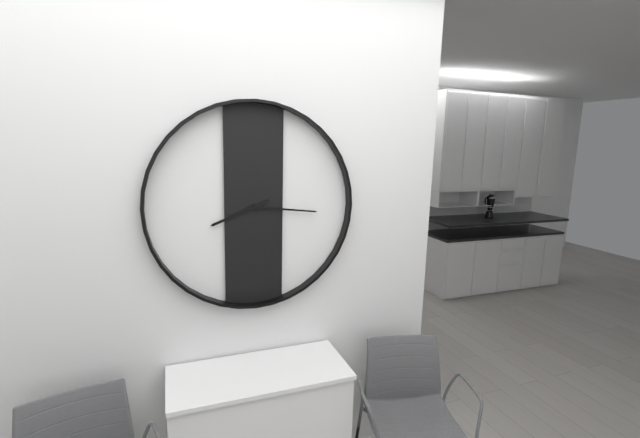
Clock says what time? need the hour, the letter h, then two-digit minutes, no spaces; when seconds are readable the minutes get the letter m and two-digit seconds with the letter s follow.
8h16
